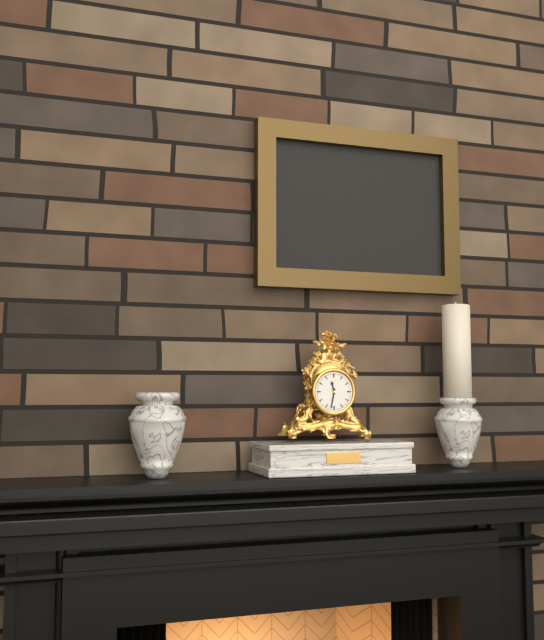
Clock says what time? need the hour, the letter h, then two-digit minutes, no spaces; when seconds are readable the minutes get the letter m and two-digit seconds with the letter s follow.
11h32
